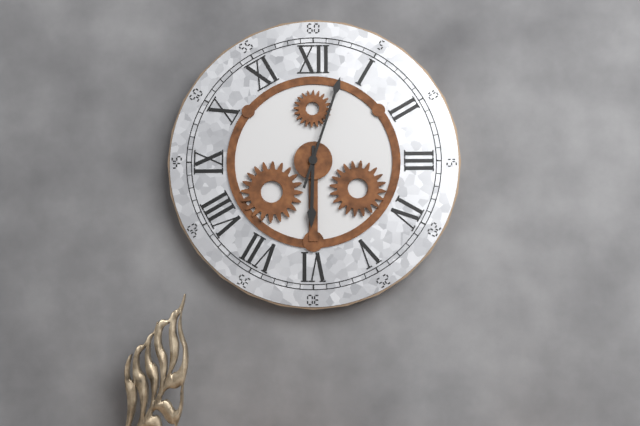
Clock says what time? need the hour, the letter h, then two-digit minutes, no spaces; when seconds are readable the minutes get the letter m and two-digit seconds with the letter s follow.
6h03
